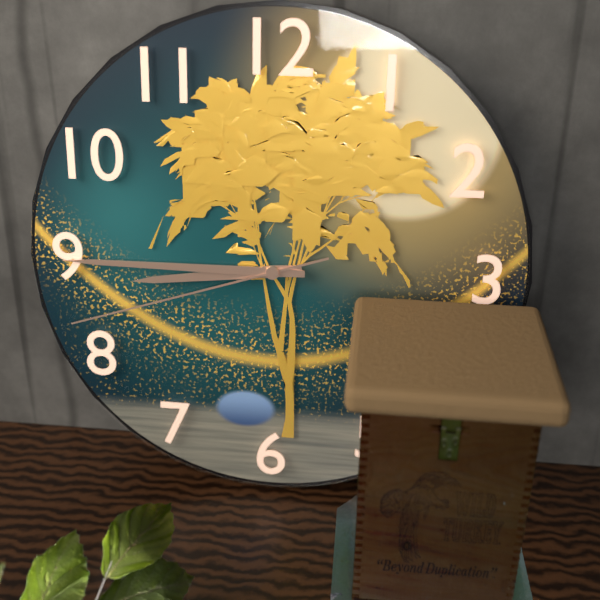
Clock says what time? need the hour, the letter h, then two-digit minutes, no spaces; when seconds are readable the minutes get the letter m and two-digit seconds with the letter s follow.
8h45m42s
